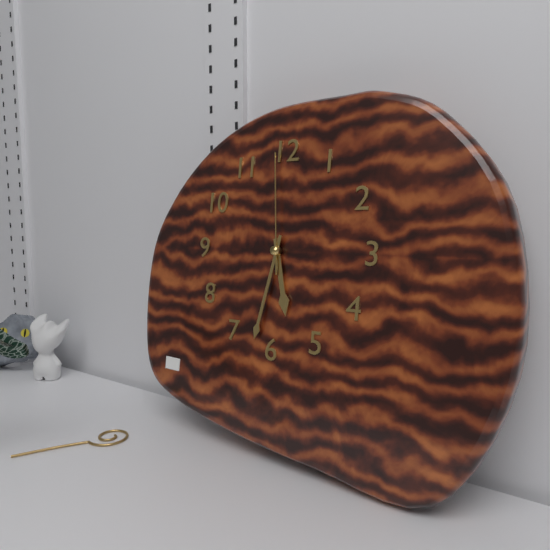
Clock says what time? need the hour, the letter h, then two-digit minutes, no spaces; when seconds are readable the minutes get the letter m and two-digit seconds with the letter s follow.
5h32m59s
